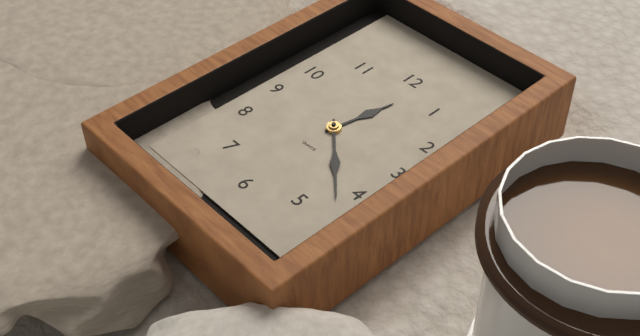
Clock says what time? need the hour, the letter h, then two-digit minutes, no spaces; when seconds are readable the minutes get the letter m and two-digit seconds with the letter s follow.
12h22
